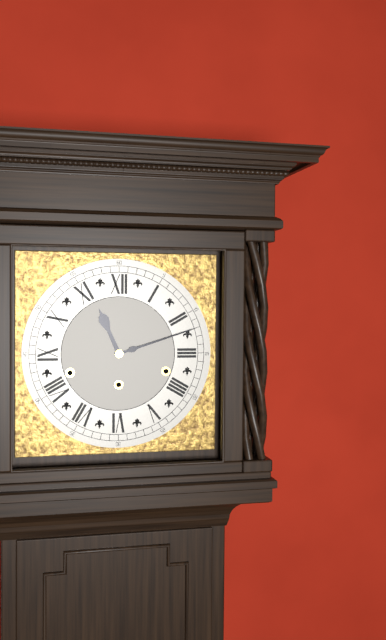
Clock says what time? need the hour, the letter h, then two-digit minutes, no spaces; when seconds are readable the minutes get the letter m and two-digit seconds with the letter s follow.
11h12
